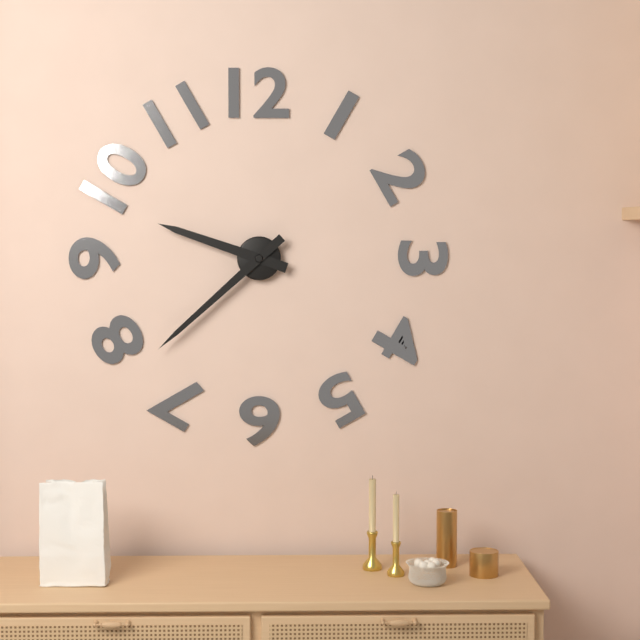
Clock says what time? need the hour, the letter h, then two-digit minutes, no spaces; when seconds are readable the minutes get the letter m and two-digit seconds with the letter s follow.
9h38
